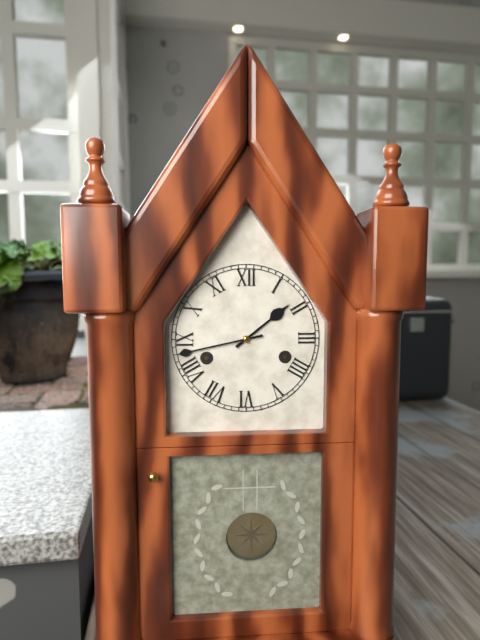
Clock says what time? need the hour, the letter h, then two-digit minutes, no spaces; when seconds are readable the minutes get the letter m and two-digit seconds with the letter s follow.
1h43
